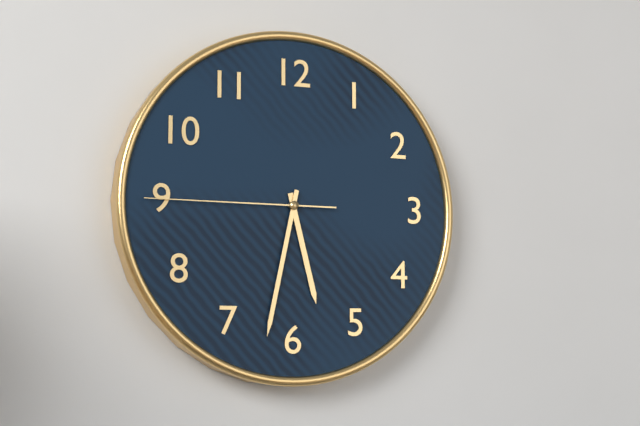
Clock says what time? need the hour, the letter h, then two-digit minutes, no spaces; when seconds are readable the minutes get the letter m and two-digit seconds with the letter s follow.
5h32m45s
